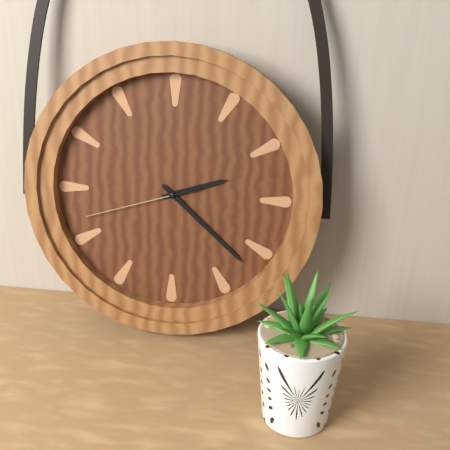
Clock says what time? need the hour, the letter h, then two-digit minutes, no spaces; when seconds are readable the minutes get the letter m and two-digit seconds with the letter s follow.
2h22m42s
